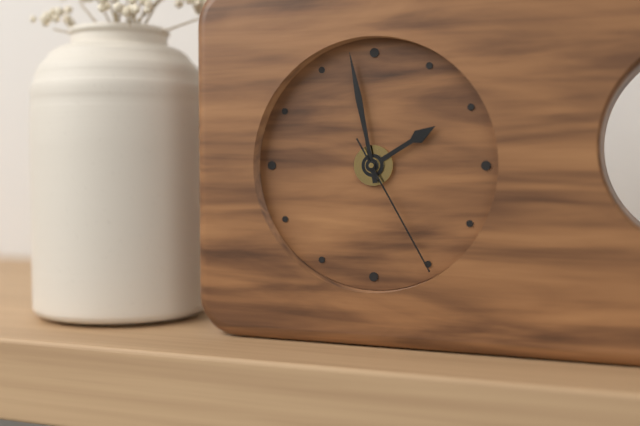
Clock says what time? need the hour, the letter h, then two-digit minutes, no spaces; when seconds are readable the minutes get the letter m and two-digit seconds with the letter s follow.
1h58m25s
